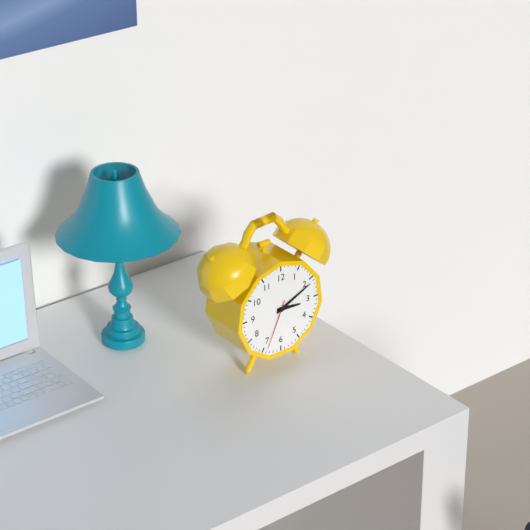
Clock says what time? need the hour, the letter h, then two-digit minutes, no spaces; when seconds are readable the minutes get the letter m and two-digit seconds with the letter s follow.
3h11m34s
